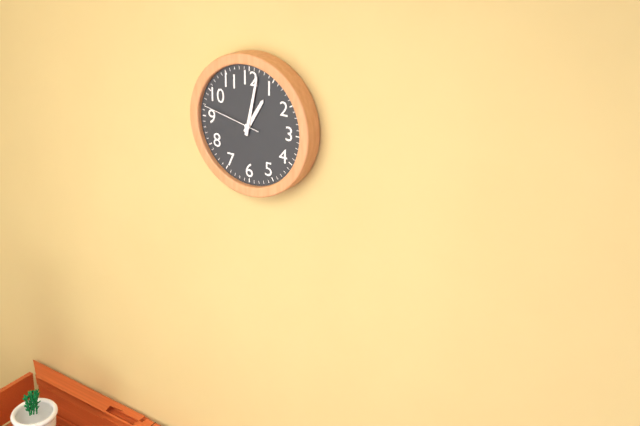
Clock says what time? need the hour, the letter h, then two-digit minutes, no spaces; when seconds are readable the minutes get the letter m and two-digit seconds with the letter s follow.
1h02m47s
